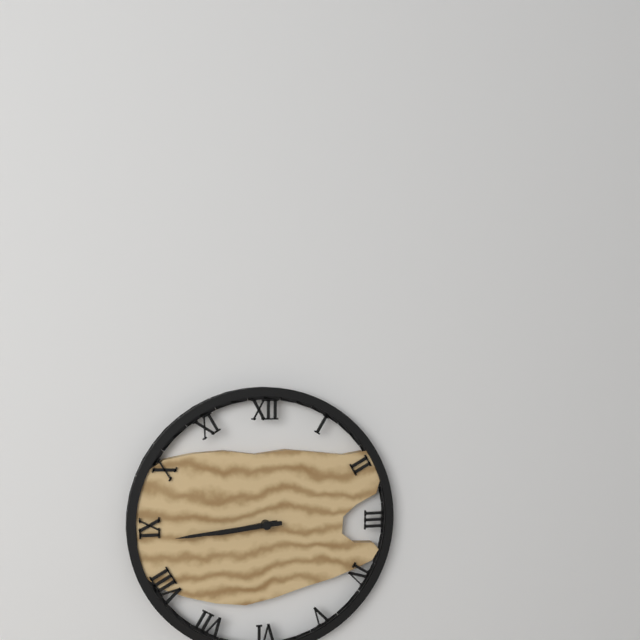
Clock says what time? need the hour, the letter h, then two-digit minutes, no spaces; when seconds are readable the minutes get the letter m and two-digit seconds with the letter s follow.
8h44
